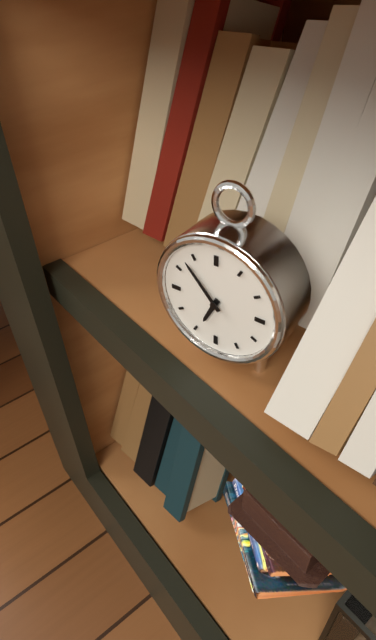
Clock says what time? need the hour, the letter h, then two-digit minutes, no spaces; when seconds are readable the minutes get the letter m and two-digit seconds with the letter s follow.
6h53
